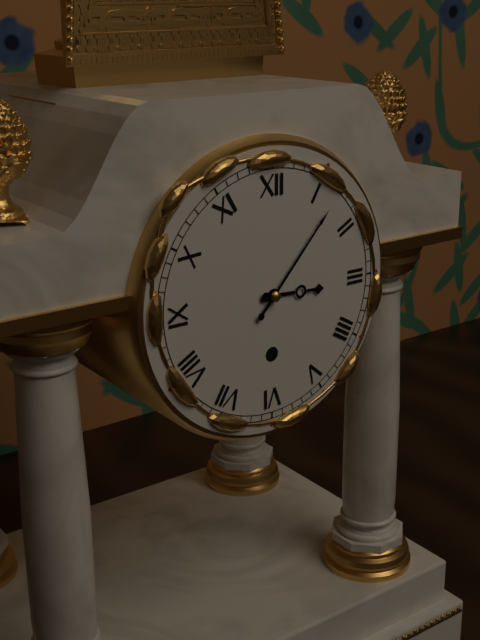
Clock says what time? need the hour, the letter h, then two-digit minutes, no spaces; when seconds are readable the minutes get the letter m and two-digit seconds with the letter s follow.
3h07
